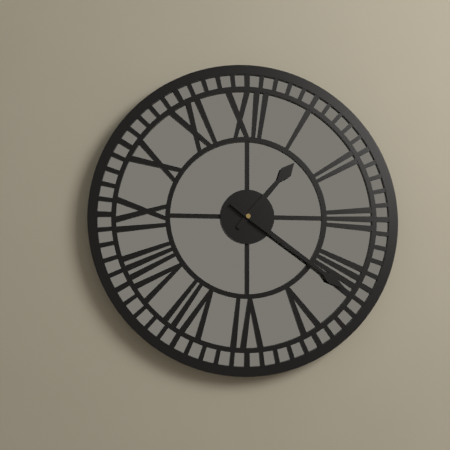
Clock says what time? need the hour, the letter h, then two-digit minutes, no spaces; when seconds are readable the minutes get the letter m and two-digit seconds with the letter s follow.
1h21
